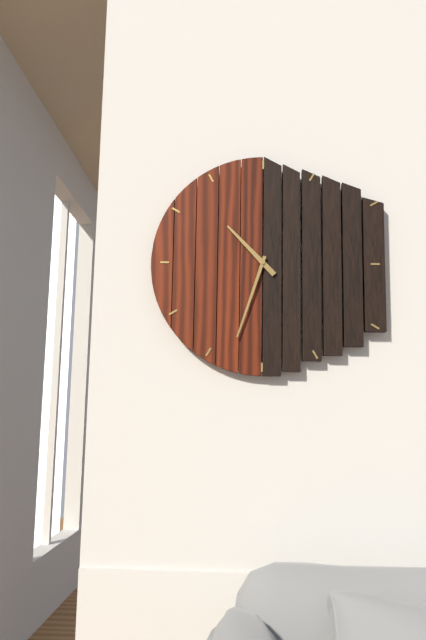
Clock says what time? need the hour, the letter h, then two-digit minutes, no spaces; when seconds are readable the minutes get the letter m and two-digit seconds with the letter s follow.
10h33
